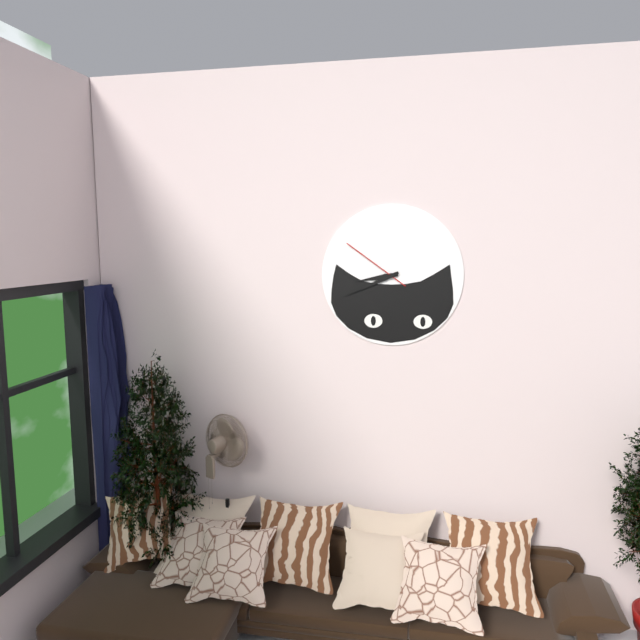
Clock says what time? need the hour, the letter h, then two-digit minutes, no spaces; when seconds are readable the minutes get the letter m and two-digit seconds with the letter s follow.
8h41m51s
